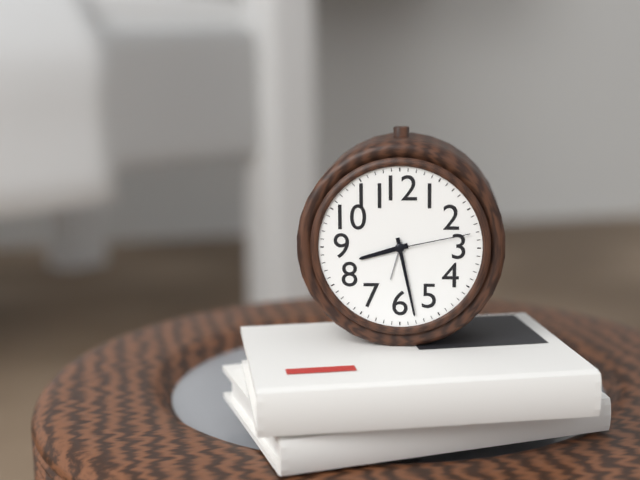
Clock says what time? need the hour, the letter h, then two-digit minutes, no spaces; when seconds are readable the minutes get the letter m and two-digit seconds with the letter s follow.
8h28m13s
